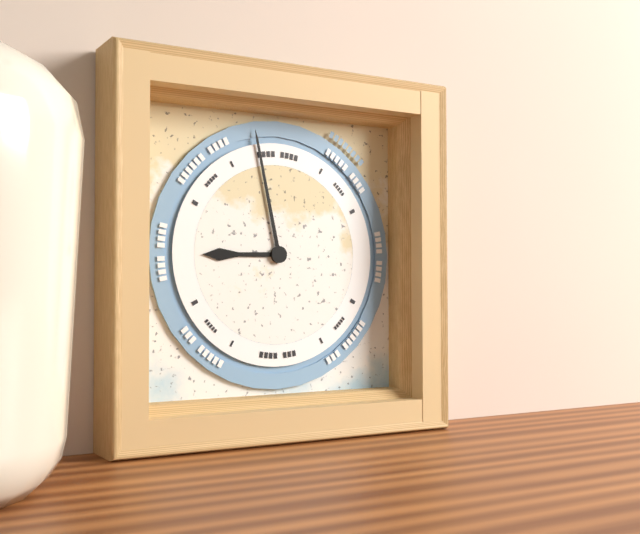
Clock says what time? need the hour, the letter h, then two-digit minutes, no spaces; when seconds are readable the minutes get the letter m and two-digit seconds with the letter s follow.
8h58
